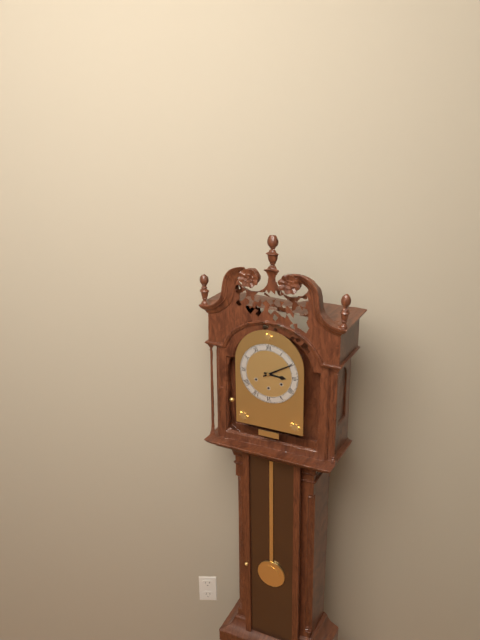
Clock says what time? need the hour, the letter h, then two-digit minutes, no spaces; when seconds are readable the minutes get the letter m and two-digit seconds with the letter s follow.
3h10
